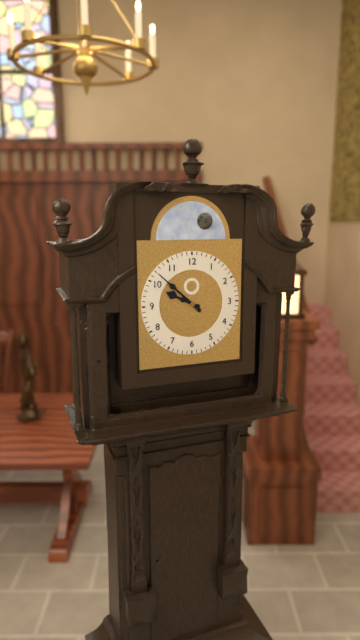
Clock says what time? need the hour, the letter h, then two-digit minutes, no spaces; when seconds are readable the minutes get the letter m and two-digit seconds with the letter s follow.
9h52
